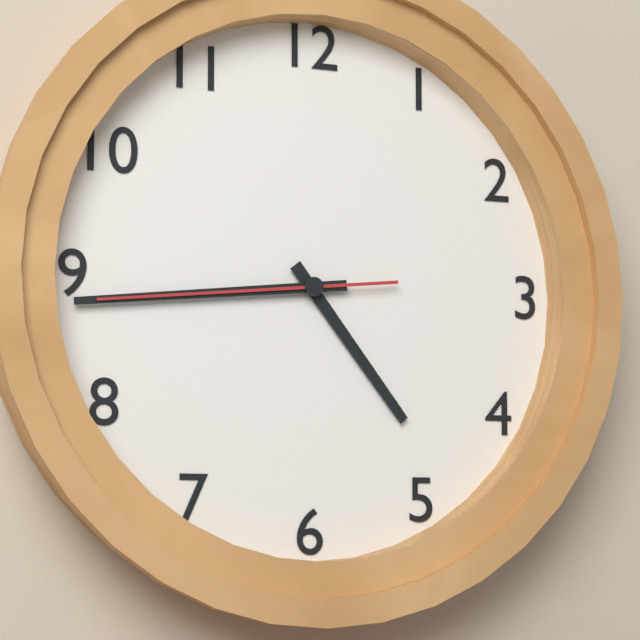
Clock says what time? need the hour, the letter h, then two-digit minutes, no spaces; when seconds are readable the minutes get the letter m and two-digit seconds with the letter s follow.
4h44m44s
